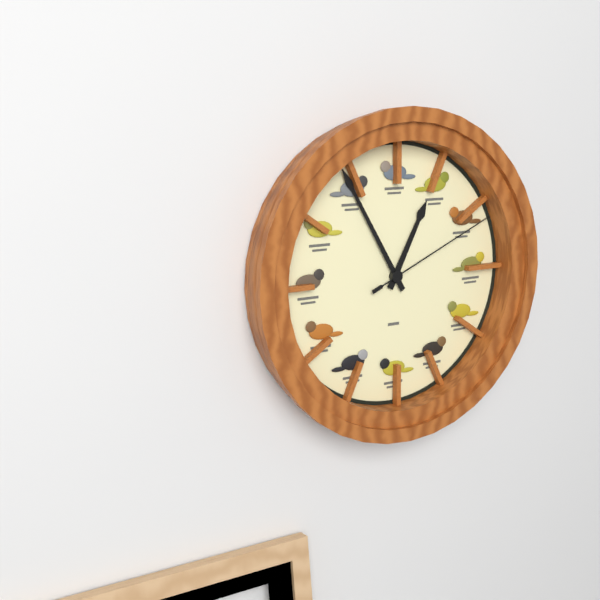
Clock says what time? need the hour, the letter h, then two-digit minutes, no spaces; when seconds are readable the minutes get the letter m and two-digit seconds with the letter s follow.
12h55m11s
